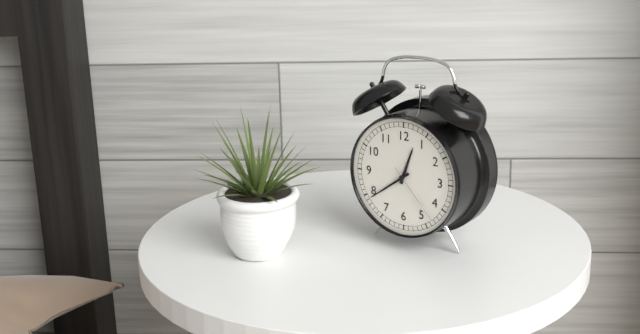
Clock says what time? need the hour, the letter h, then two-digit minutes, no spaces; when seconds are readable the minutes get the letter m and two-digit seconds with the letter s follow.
12h39m23s
